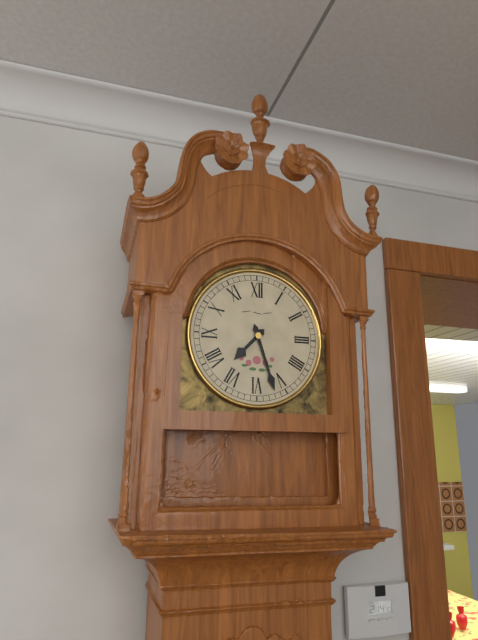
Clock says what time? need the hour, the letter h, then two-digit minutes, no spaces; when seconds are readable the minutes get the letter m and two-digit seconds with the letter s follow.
7h27
